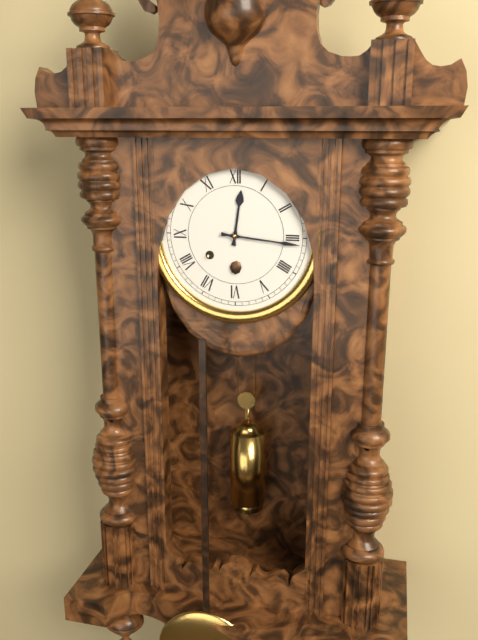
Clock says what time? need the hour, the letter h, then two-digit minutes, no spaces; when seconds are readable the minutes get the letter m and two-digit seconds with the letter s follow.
12h16
